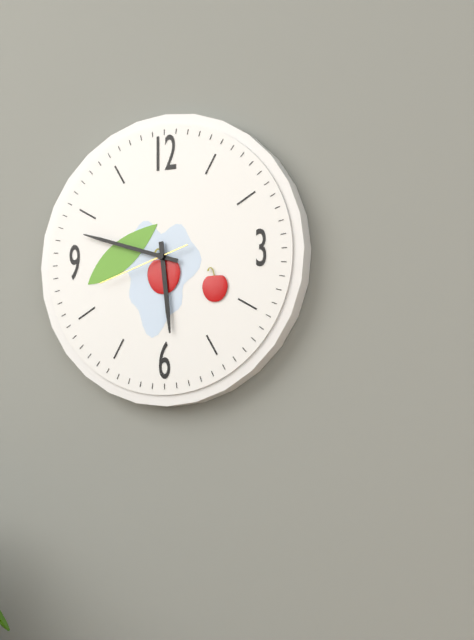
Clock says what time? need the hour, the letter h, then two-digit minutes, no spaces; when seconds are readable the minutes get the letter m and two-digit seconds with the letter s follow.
5h48m42s
